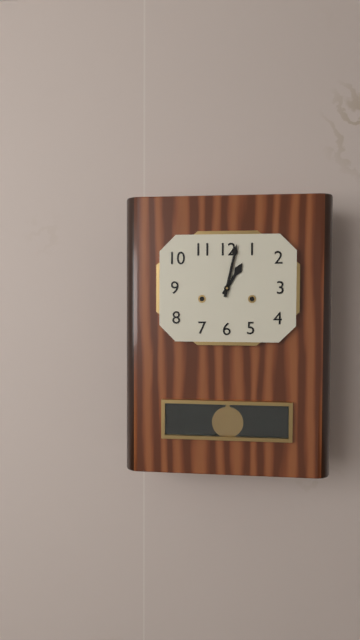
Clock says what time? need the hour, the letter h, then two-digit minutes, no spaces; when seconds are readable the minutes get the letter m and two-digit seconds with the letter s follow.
1h02
